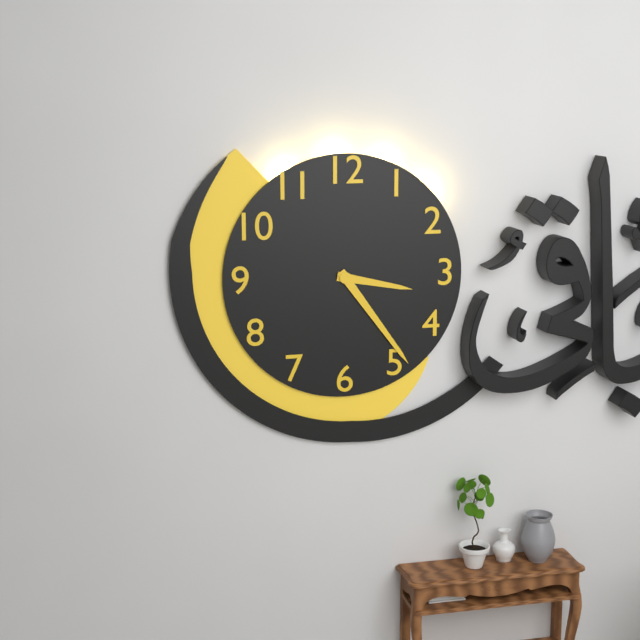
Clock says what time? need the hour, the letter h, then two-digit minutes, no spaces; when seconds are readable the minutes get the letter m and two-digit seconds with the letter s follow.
3h24
